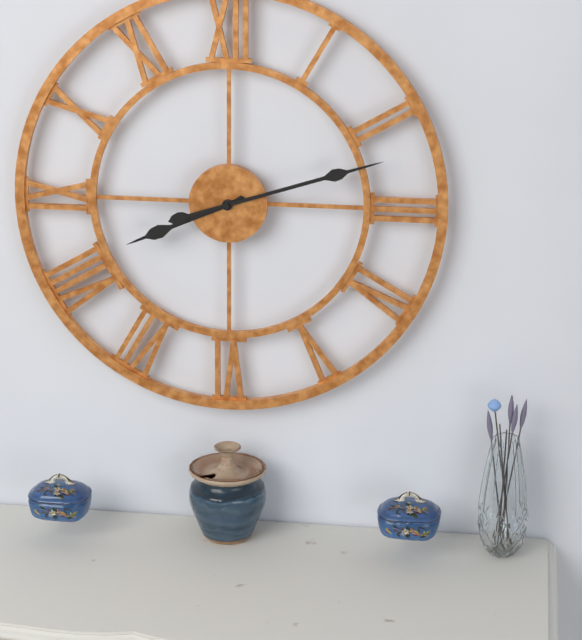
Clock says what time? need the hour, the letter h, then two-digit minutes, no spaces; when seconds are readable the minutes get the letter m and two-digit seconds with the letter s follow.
8h12
